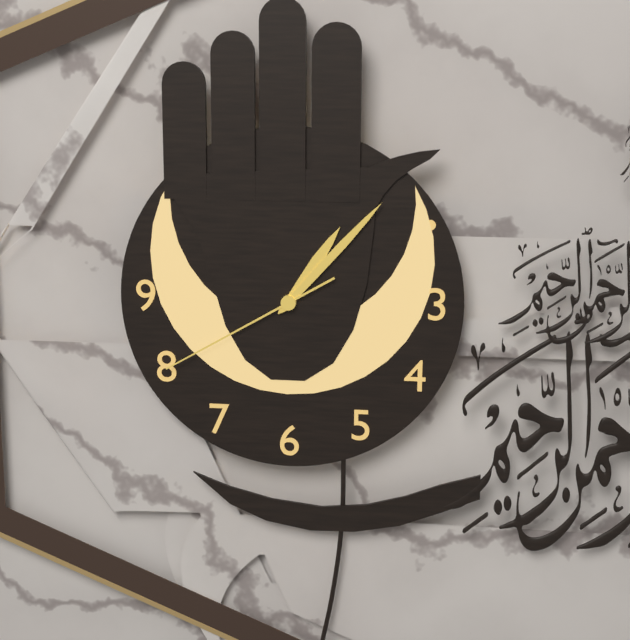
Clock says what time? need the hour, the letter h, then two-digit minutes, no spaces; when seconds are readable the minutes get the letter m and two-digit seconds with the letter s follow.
1h07m40s
